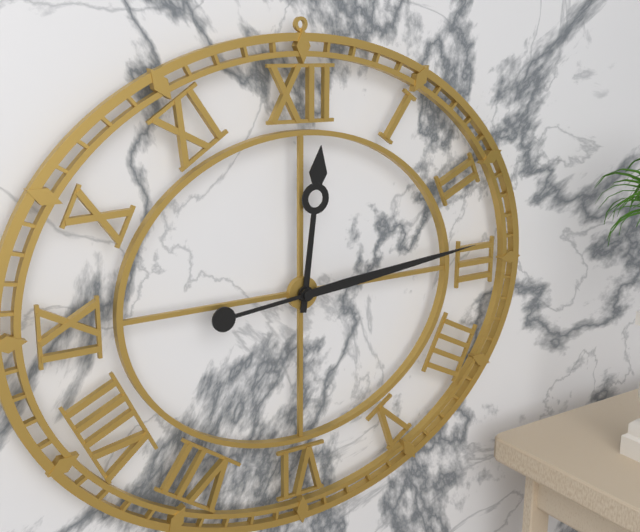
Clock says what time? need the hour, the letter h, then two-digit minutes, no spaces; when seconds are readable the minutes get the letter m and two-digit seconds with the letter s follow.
12h14
